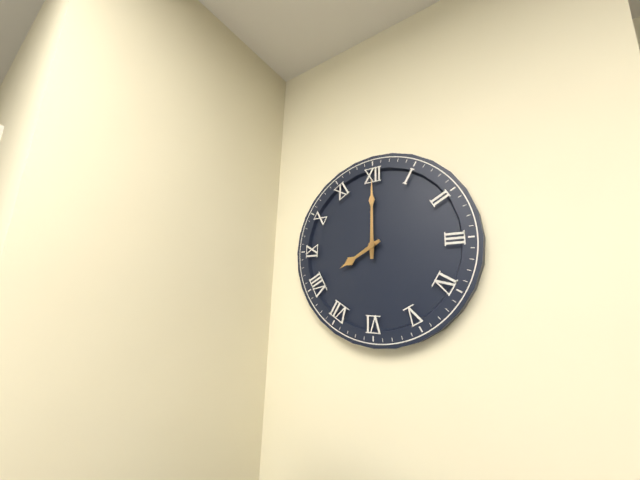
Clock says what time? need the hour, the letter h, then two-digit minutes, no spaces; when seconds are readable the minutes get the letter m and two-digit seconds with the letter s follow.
8h00
